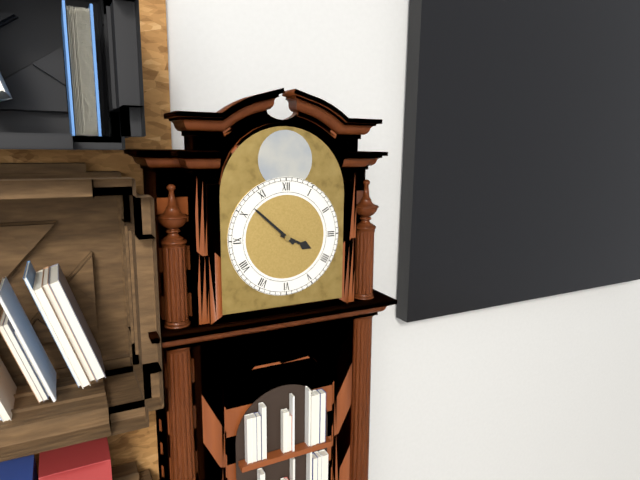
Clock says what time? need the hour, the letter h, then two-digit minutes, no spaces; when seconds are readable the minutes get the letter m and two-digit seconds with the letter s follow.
3h52
